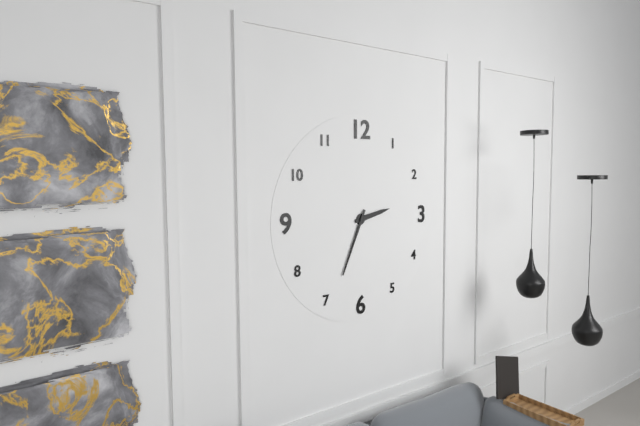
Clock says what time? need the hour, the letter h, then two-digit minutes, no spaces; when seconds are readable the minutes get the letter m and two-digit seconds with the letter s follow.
2h34
